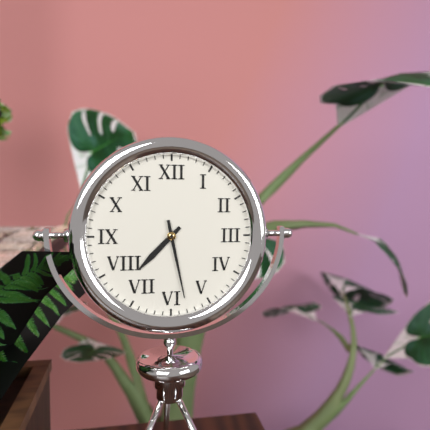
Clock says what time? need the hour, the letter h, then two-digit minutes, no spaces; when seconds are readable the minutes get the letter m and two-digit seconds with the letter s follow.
7h28
